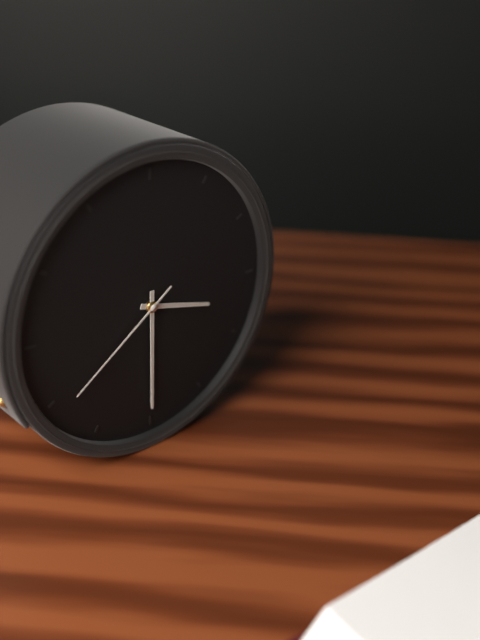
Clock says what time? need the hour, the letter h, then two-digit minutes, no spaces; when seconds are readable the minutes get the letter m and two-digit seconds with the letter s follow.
3h30m39s
